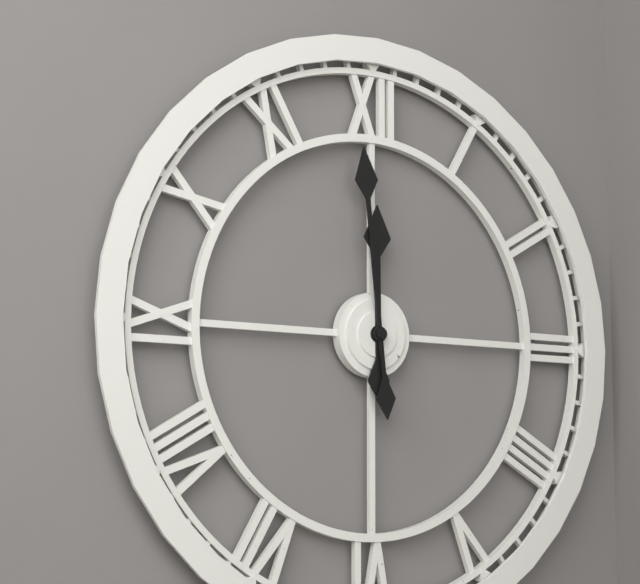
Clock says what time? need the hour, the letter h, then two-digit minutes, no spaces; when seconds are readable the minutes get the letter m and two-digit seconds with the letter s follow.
11h59
